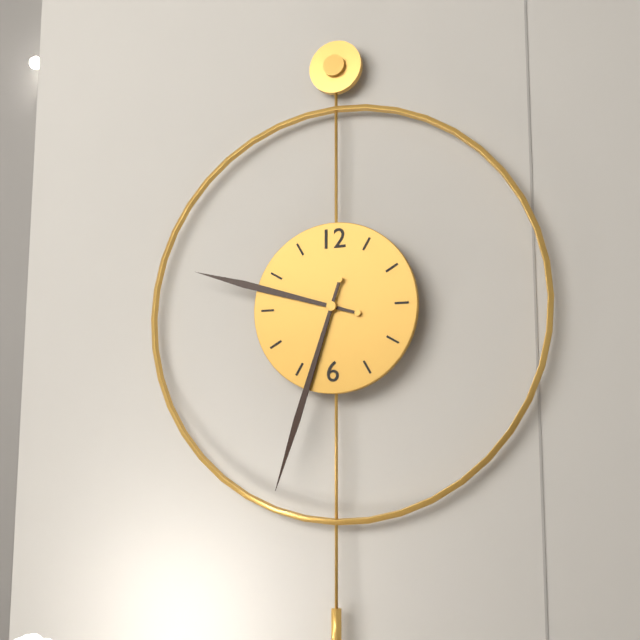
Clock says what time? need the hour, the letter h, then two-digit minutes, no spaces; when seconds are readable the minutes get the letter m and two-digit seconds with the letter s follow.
9h33
